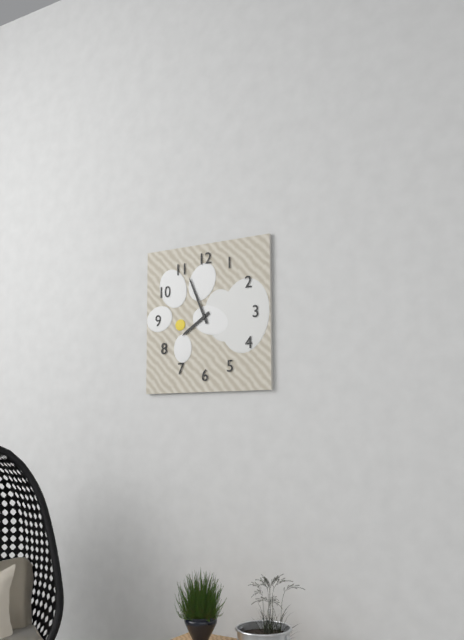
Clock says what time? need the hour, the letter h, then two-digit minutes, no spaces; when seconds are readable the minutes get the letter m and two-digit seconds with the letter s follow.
7h56
